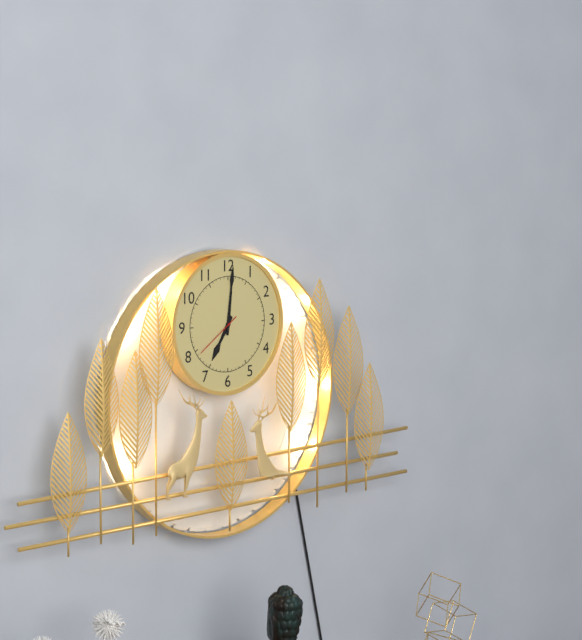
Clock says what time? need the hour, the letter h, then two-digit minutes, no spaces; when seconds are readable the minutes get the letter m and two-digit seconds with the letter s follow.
7h01
